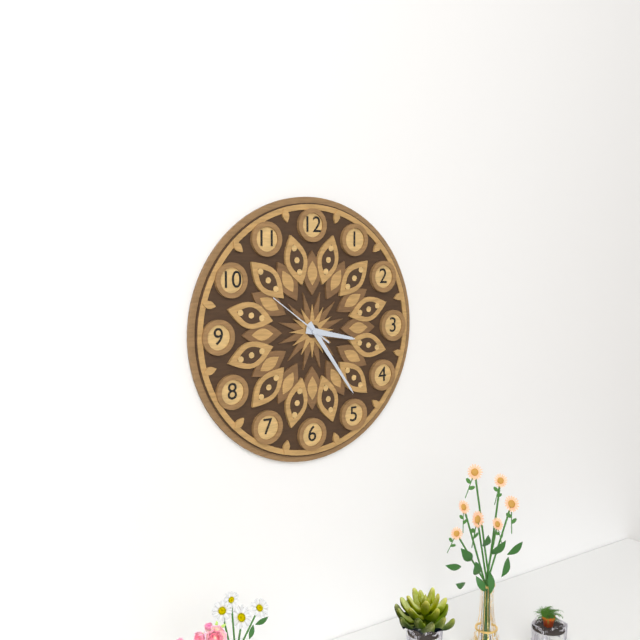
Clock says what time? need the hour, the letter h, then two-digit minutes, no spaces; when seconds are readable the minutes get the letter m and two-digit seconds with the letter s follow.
3h24m51s
